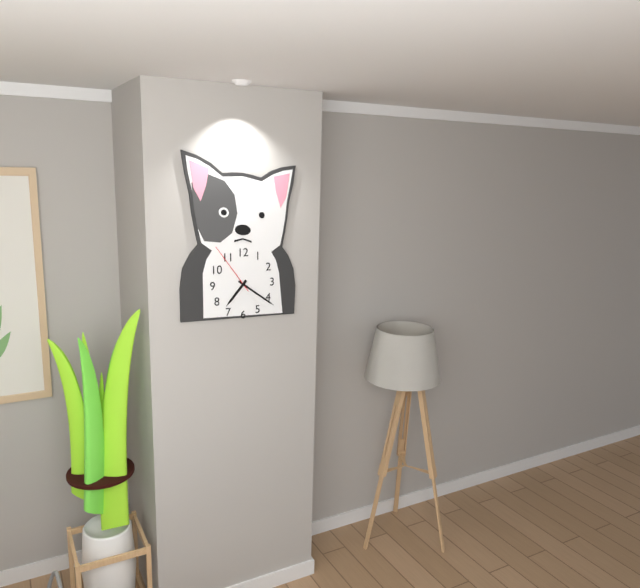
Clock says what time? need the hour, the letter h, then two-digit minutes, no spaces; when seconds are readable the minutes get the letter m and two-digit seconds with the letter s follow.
7h21m54s
